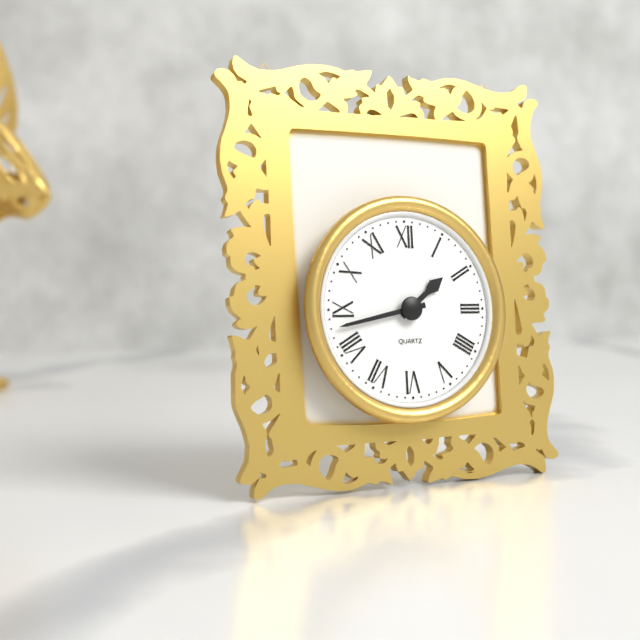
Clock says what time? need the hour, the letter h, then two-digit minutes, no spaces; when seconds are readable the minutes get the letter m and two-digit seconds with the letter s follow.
1h43
